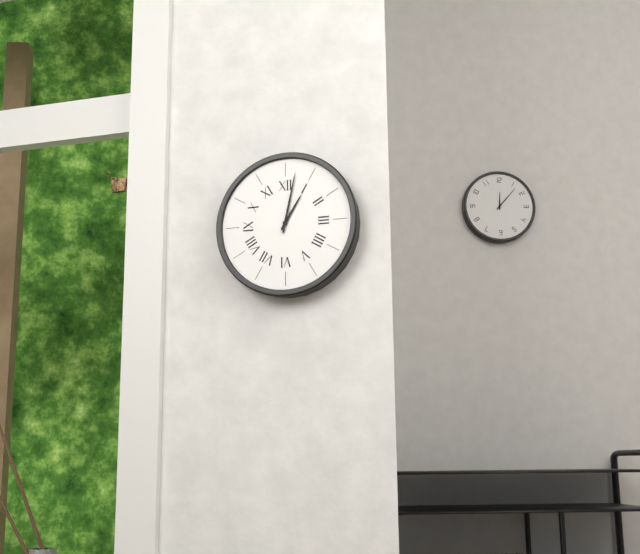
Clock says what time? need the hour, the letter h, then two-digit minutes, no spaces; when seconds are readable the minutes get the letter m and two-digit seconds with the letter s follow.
1h02
